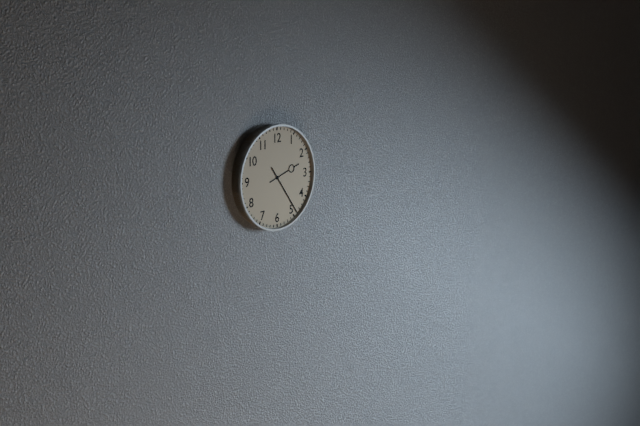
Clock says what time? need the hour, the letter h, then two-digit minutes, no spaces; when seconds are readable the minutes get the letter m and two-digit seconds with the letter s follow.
2h24
